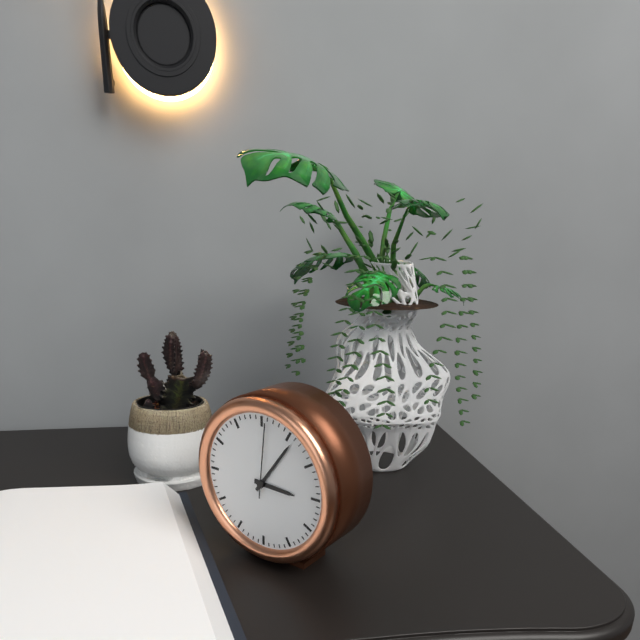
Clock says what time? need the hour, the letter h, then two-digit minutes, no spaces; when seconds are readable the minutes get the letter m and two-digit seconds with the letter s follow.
3h06m01s
